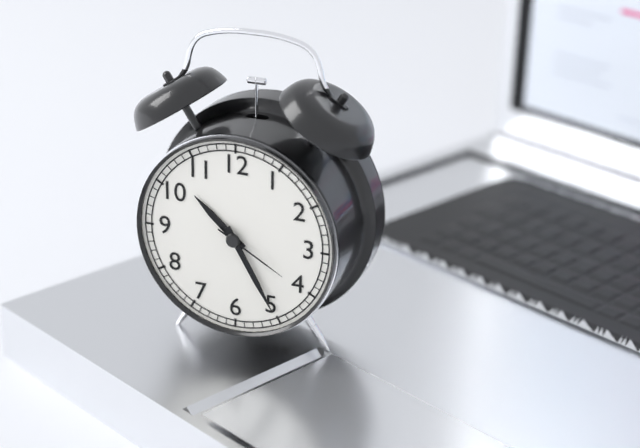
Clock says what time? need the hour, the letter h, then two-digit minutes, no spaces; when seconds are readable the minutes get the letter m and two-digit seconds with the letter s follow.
10h25m20s
